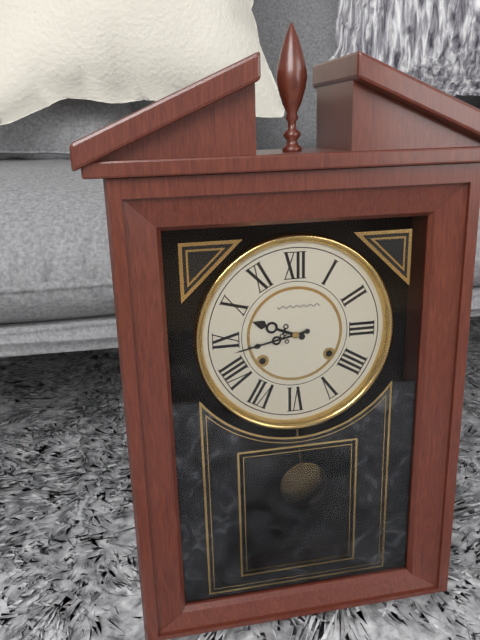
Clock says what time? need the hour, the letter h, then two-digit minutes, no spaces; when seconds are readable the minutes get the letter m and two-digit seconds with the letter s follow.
9h43
